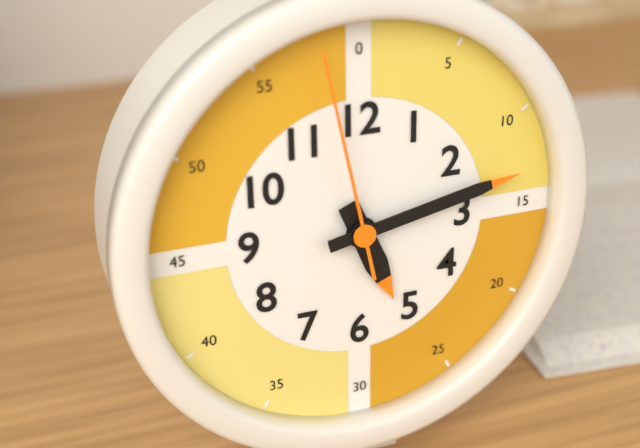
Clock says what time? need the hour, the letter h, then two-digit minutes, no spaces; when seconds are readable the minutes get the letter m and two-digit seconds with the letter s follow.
5h13m58s
